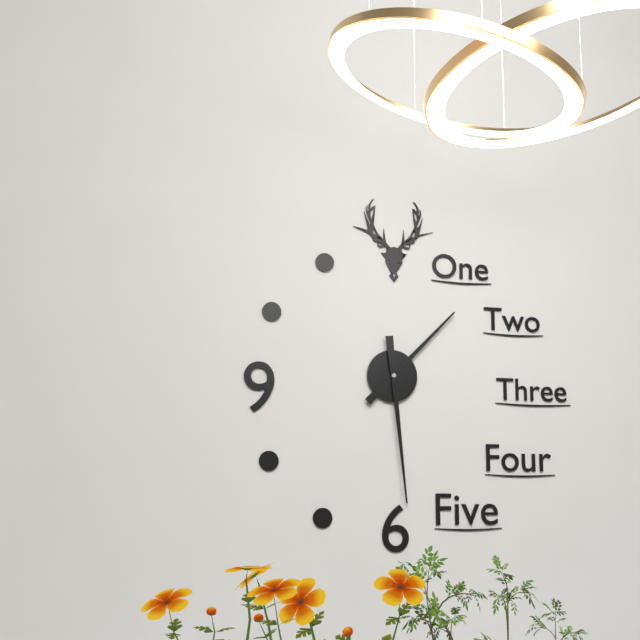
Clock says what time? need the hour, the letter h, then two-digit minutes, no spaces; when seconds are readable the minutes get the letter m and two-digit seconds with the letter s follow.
1h29
